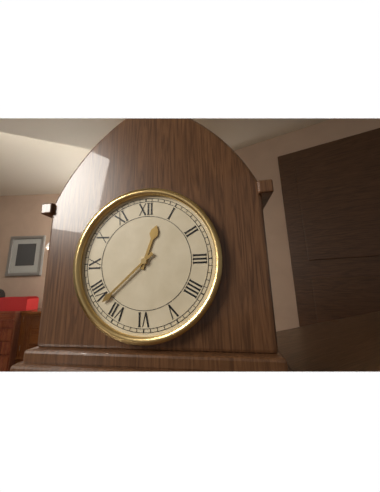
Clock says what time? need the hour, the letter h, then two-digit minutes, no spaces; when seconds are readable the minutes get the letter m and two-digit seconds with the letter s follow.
12h38
